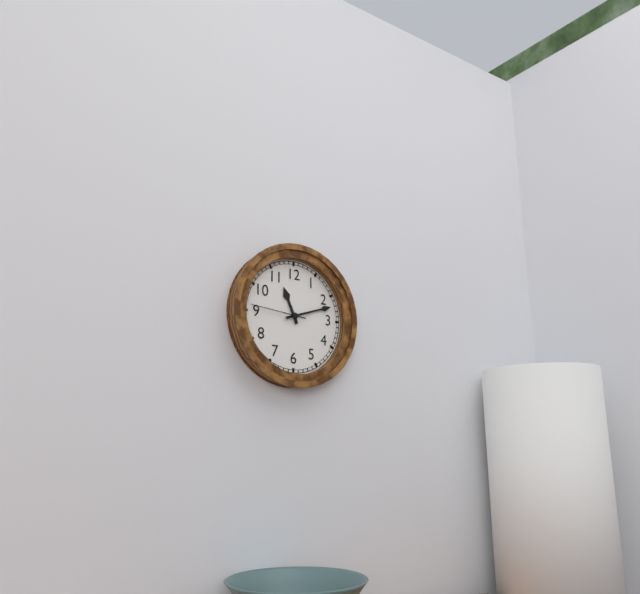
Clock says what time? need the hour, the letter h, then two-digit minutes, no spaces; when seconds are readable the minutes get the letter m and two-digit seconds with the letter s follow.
11h12m46s
